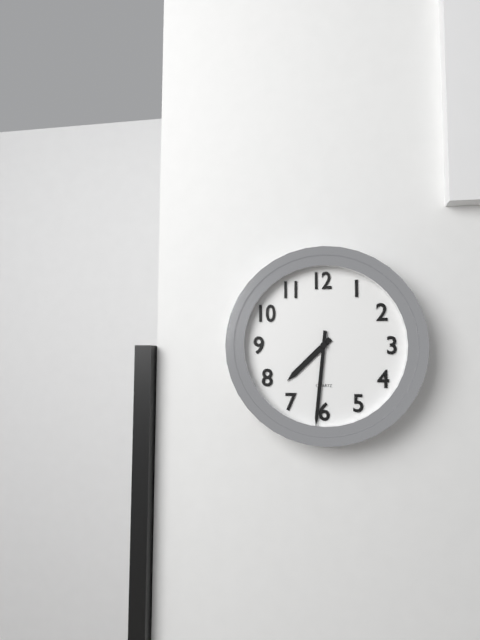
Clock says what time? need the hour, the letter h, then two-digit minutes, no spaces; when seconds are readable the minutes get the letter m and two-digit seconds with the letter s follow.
7h31
